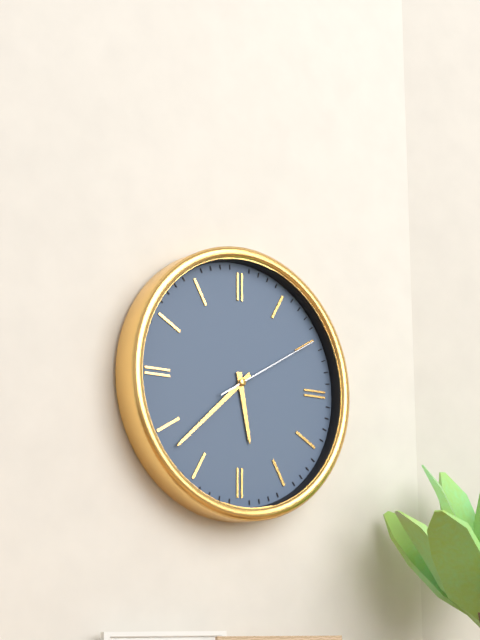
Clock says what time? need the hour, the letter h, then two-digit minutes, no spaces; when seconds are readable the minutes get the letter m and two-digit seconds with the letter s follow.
5h38m10s
